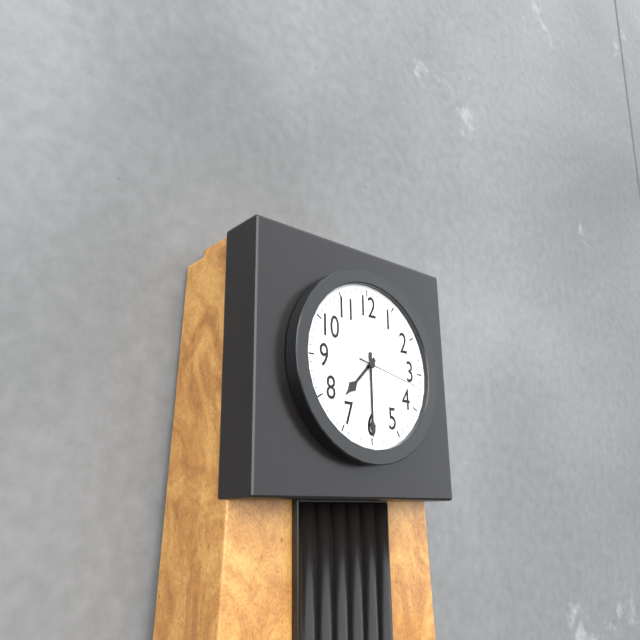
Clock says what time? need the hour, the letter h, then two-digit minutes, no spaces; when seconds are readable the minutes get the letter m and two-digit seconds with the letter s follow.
7h30m17s
